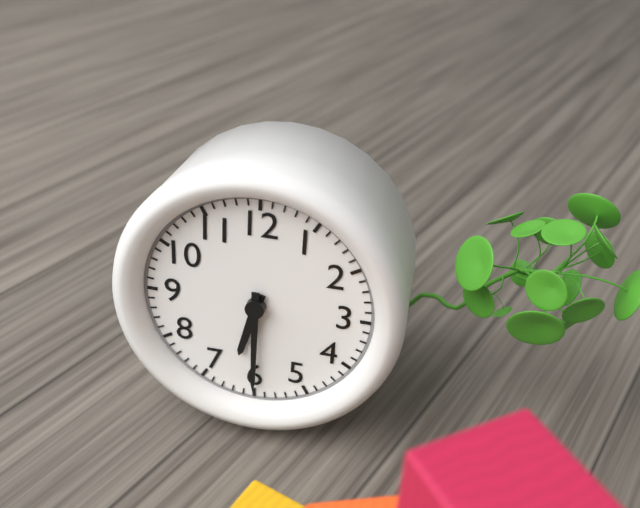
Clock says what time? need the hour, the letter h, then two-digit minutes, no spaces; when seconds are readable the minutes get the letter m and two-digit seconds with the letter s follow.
6h30
